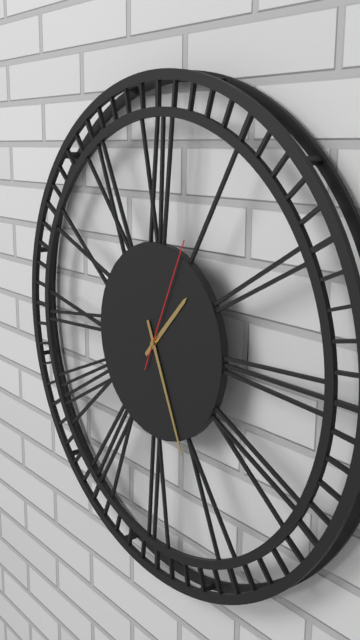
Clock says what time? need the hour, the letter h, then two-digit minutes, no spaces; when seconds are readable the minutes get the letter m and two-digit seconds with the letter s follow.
1h26m04s
